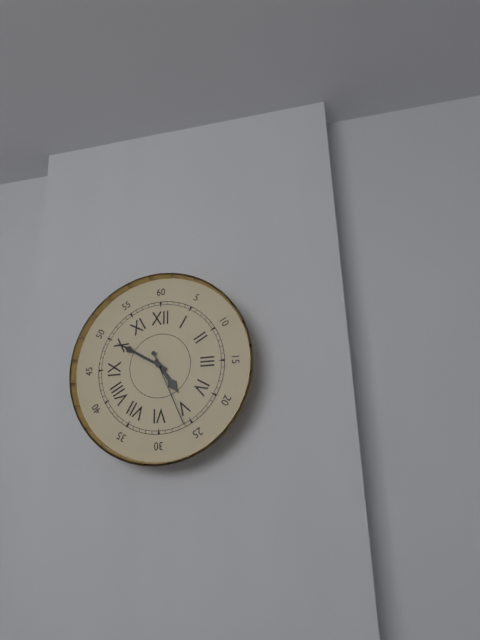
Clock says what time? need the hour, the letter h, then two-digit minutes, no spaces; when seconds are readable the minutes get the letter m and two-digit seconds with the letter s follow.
4h50m26s
